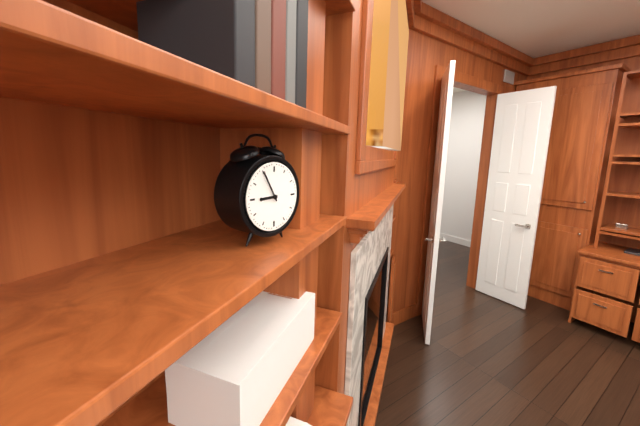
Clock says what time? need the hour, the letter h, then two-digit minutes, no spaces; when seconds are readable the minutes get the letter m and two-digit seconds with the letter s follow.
8h55
